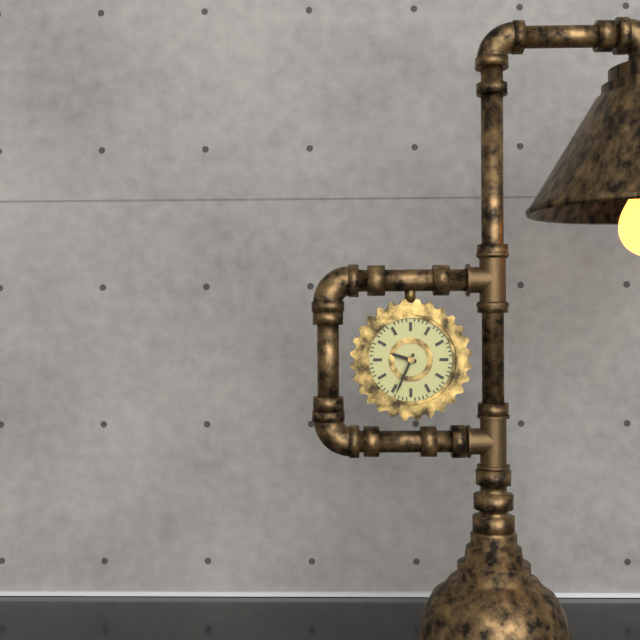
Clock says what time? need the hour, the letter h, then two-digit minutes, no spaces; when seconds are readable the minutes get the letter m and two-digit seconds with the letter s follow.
9h34
